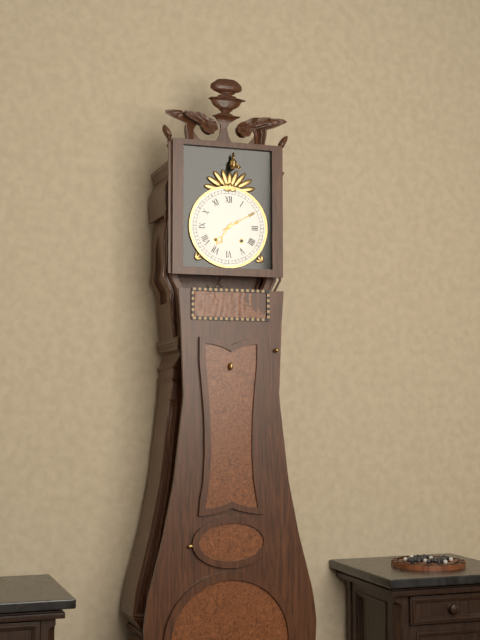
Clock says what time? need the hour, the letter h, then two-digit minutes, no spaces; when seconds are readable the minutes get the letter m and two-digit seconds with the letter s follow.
7h10
